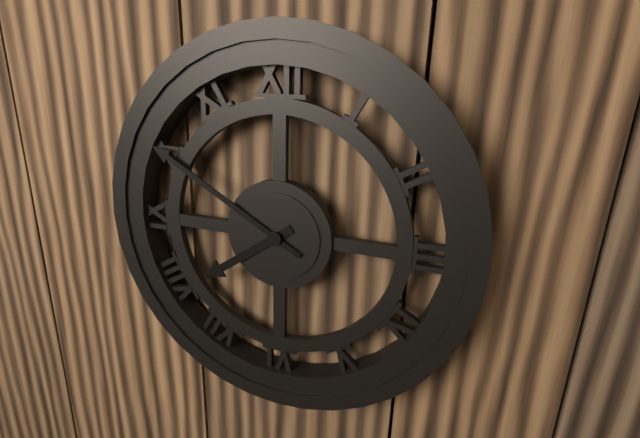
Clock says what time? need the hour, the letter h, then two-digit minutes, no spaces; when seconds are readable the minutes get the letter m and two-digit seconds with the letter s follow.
7h50
